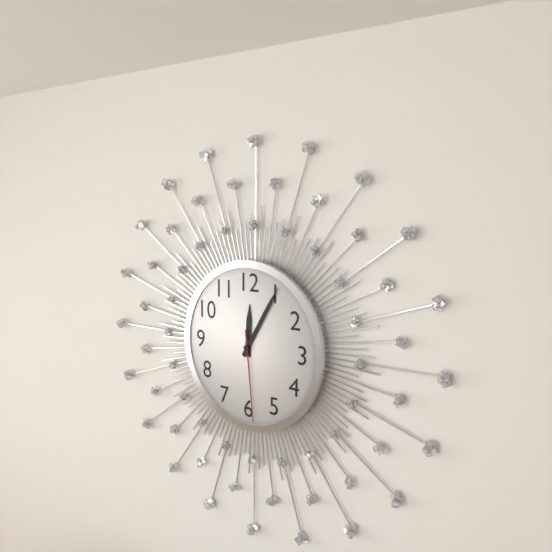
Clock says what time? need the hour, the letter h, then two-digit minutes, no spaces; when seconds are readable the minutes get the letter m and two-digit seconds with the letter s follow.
12h05m29s
